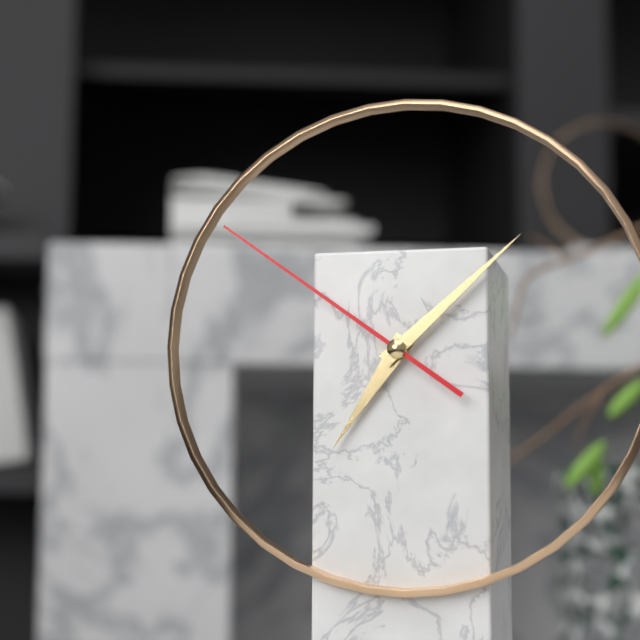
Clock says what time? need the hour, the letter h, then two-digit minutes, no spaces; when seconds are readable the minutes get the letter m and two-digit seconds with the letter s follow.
7h08m51s
